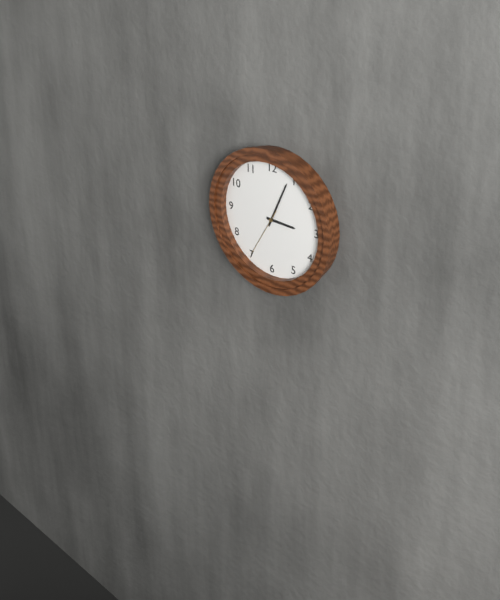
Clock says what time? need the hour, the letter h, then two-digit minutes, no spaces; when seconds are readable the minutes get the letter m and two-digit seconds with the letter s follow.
3h04
